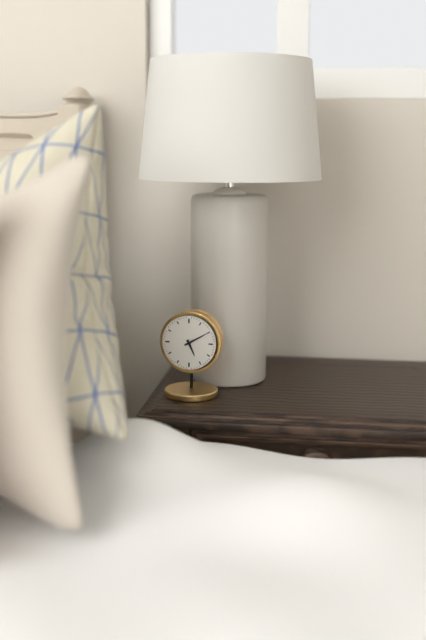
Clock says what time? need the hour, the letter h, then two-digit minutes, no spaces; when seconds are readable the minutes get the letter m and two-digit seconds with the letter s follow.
5h10
